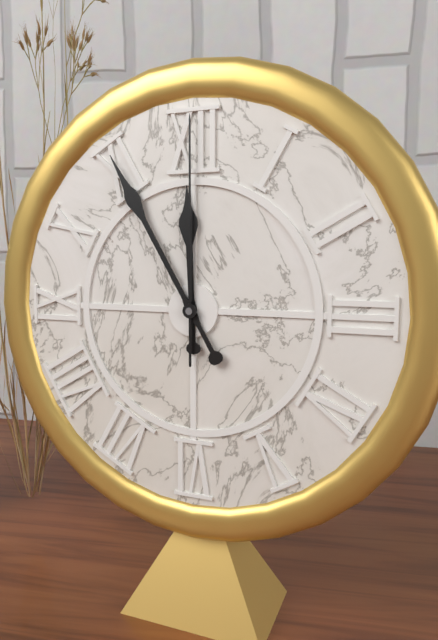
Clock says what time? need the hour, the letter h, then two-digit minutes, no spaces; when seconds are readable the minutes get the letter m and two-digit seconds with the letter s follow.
11h55m00s
